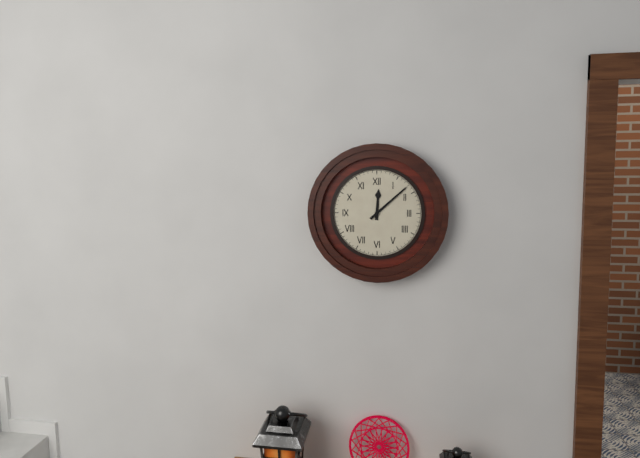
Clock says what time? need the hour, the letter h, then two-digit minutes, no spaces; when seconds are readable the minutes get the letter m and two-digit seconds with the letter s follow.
12h08
